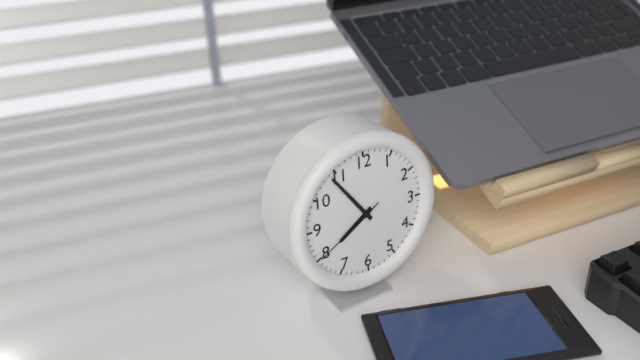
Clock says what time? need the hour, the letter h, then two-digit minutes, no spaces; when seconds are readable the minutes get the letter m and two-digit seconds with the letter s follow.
7h54m40s
